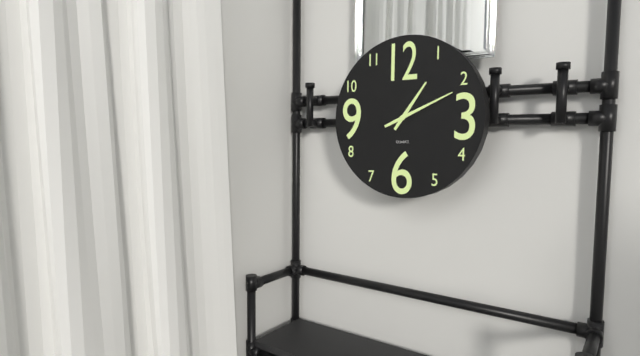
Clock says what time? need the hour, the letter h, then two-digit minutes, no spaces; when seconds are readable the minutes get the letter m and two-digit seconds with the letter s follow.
1h11
